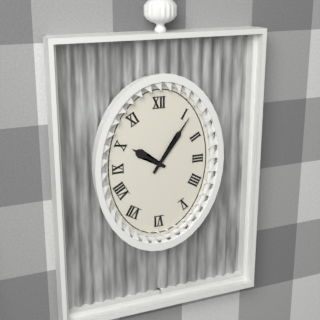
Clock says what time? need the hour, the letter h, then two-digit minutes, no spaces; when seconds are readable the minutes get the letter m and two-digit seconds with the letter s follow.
10h06
